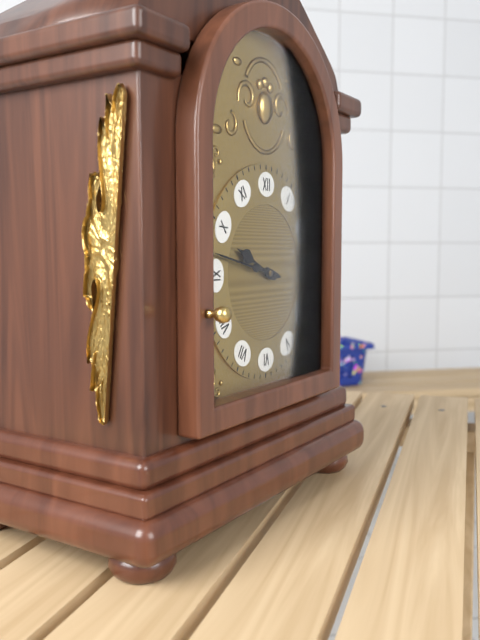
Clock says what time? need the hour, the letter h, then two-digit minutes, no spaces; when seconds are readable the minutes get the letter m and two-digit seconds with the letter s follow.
9h47
